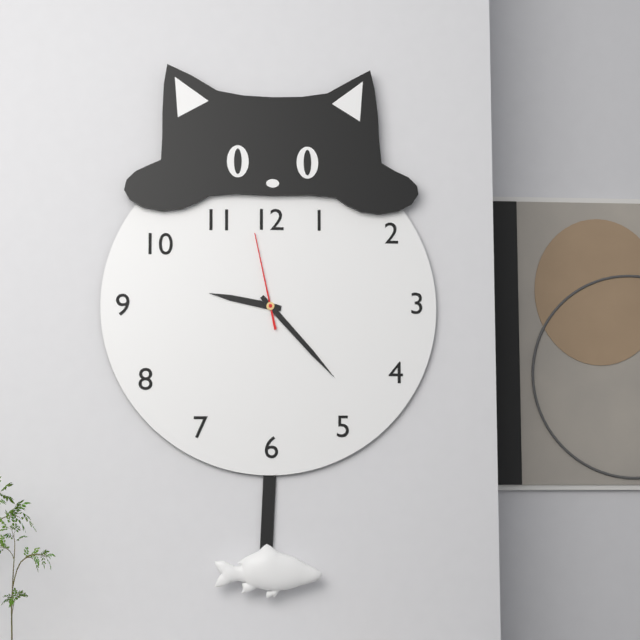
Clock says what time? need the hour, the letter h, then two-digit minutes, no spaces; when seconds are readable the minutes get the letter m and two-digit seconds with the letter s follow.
9h23m58s
